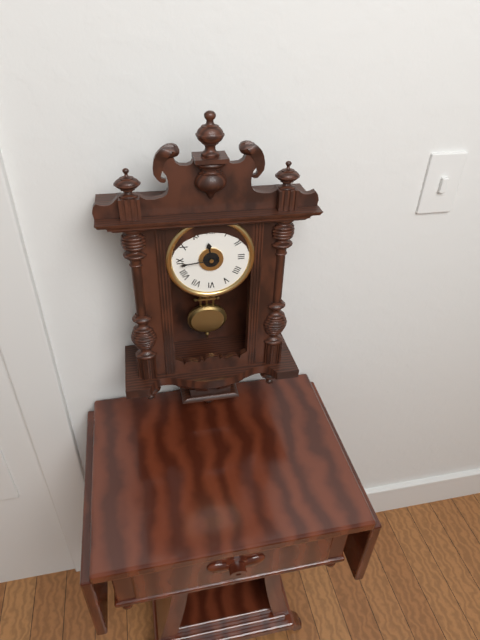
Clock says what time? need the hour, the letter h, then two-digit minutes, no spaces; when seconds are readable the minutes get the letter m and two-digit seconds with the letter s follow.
11h44
